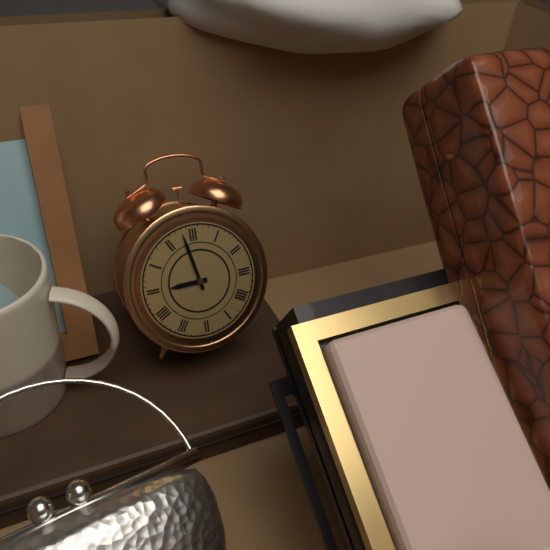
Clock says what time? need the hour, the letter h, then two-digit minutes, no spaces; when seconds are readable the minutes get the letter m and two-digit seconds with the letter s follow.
8h58
